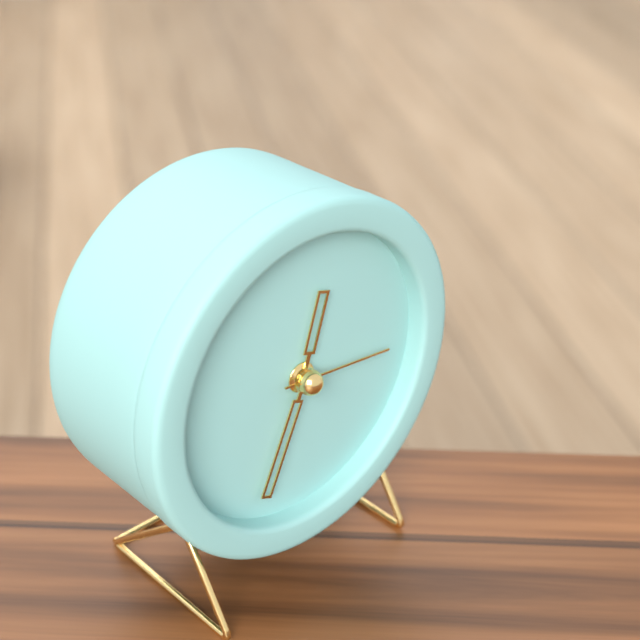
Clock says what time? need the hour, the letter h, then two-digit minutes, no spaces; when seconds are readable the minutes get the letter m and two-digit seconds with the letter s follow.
12h34m16s
